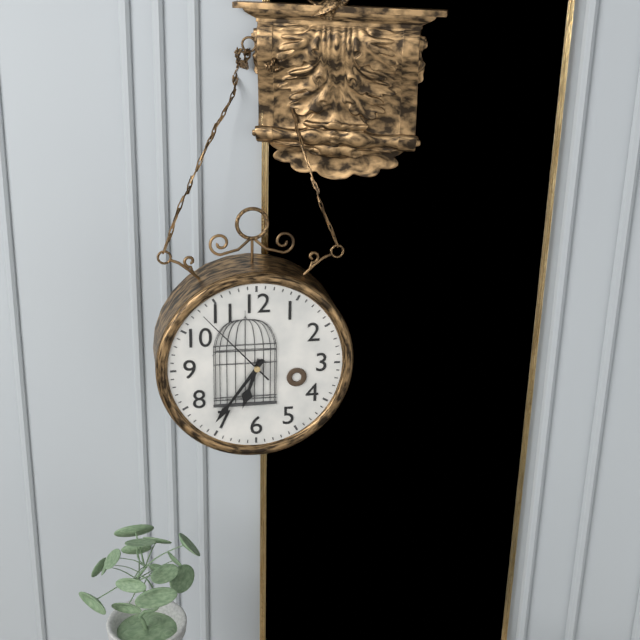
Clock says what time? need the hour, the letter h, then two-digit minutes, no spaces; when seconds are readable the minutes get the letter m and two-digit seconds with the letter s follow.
6h36m53s
